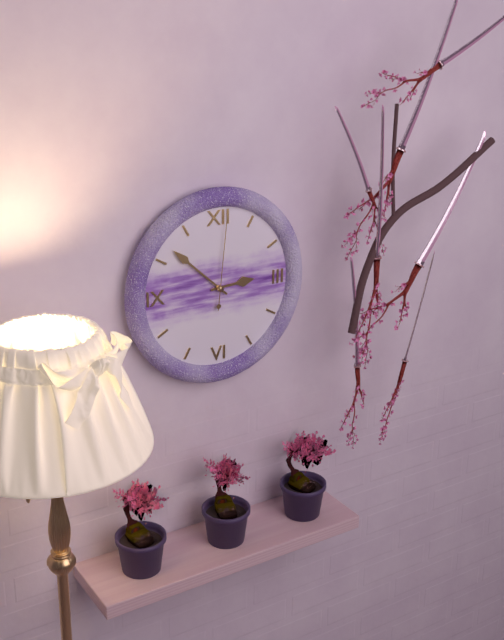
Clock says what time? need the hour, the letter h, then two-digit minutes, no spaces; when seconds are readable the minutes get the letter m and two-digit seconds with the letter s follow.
2h52m01s
